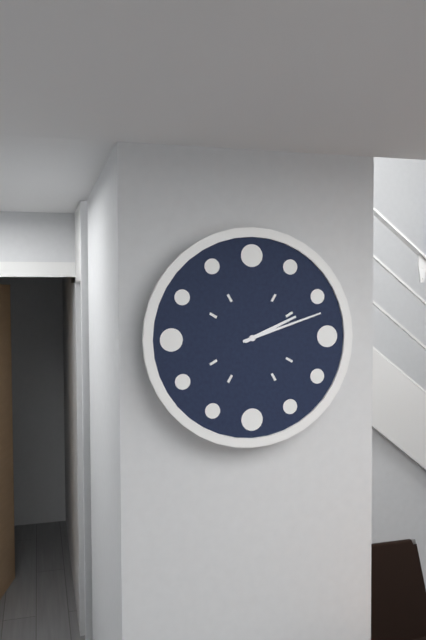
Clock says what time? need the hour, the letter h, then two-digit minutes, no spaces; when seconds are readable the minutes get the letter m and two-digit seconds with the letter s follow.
2h12
